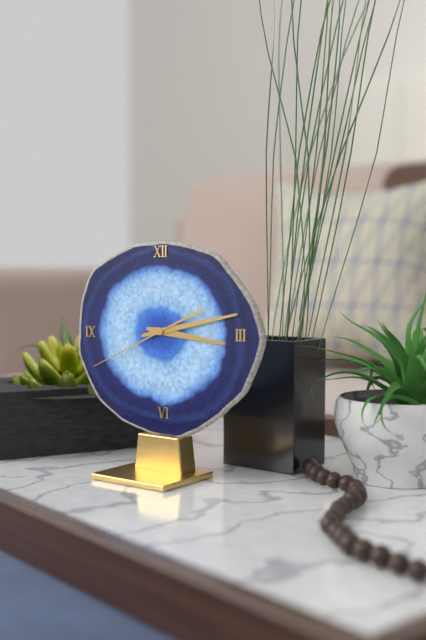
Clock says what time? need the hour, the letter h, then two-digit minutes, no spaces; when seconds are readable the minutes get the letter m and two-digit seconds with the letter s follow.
3h13m41s
